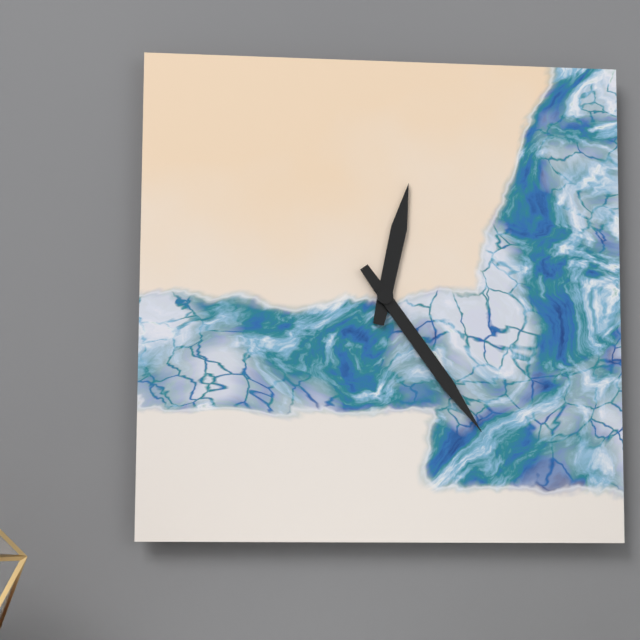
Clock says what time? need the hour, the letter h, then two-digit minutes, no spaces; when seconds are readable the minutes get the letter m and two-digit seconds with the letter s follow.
12h24
